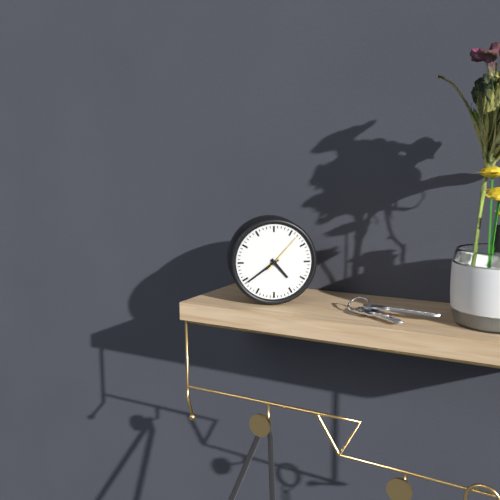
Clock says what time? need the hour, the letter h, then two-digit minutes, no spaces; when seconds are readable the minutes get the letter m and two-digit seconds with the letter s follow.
4h39
